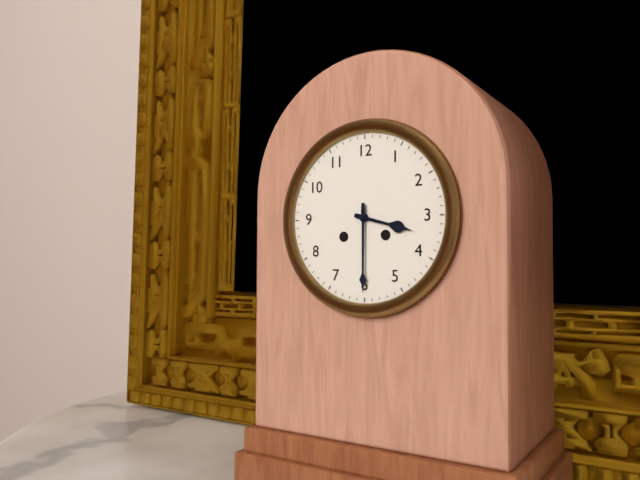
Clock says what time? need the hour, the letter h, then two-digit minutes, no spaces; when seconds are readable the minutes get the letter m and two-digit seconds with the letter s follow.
3h30
